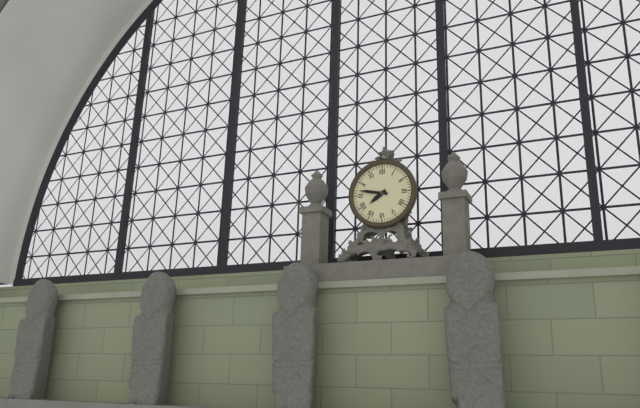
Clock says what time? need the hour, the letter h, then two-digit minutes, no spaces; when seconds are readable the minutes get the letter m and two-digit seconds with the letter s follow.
7h47
